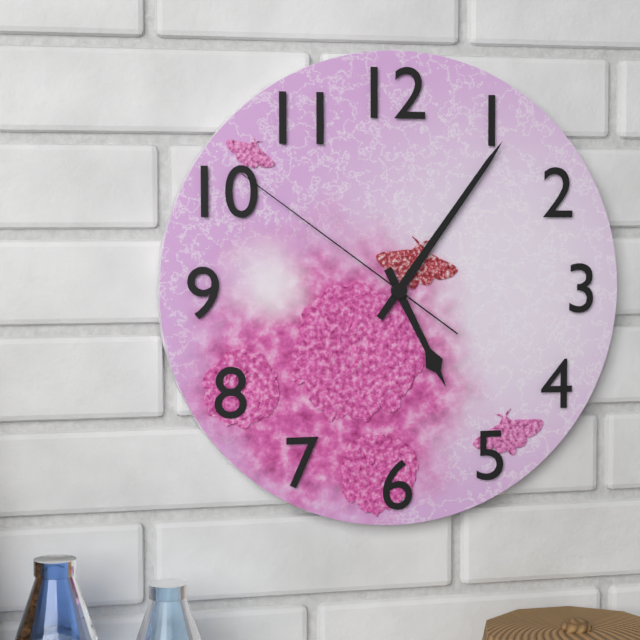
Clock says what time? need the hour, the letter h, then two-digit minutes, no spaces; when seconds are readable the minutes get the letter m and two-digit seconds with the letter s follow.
5h06m51s
